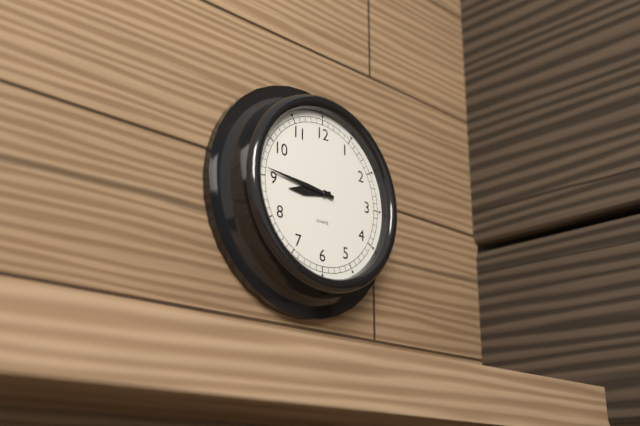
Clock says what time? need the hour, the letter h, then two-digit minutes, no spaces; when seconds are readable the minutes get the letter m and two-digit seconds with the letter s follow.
8h46
